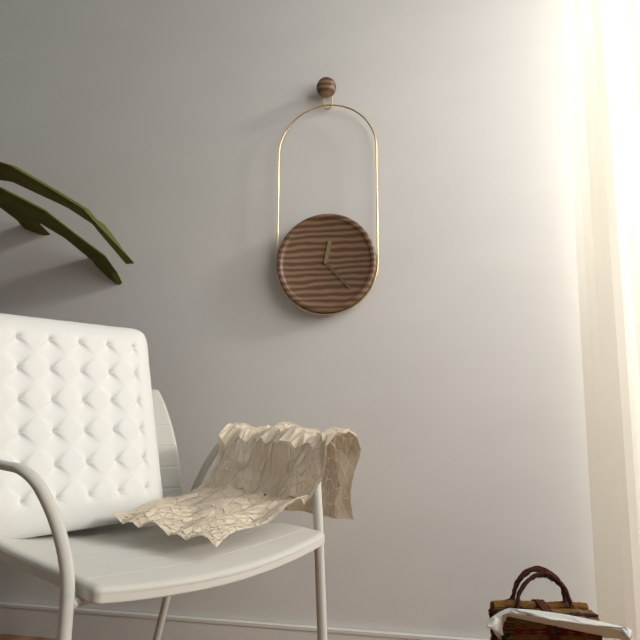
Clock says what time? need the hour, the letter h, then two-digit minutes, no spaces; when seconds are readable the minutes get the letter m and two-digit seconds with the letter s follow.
12h23
